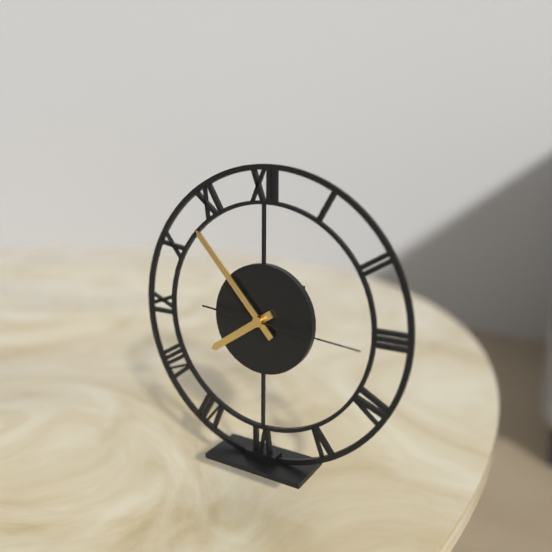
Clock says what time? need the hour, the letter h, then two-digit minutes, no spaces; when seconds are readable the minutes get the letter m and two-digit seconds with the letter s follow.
7h53m16s
